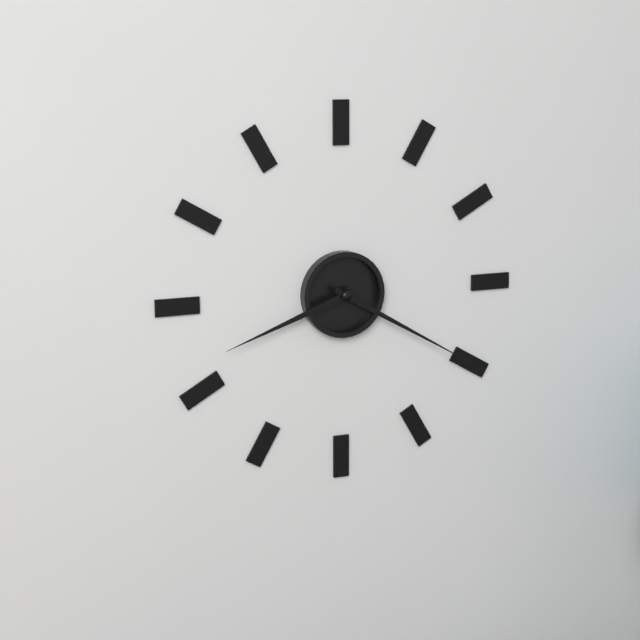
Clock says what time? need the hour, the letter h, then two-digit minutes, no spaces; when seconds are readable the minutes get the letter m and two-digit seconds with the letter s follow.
8h20
